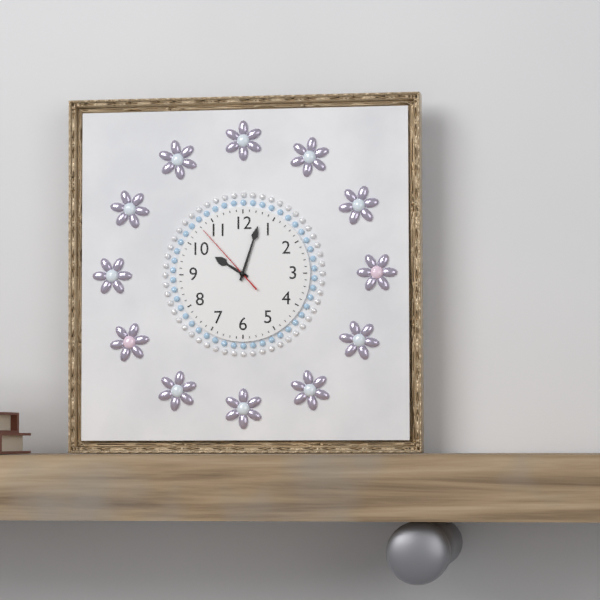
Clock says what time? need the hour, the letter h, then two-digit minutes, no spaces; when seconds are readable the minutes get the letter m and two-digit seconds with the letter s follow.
10h03m53s
